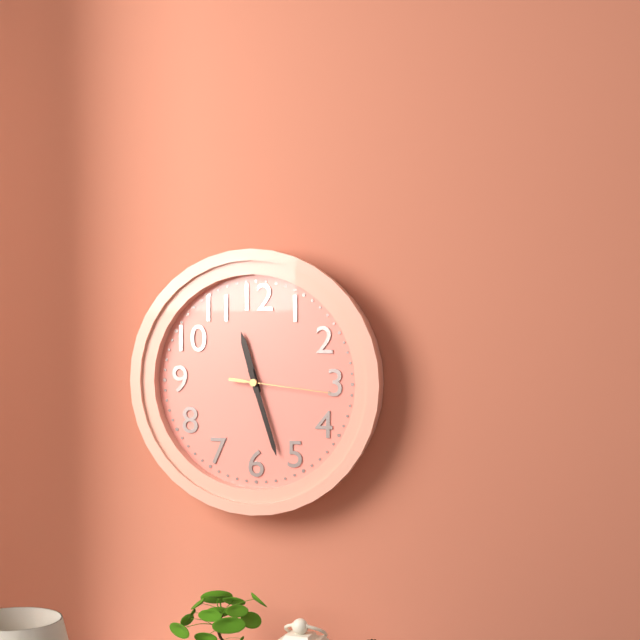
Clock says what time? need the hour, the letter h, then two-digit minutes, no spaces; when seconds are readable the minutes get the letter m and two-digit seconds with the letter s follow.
11h27m16s
